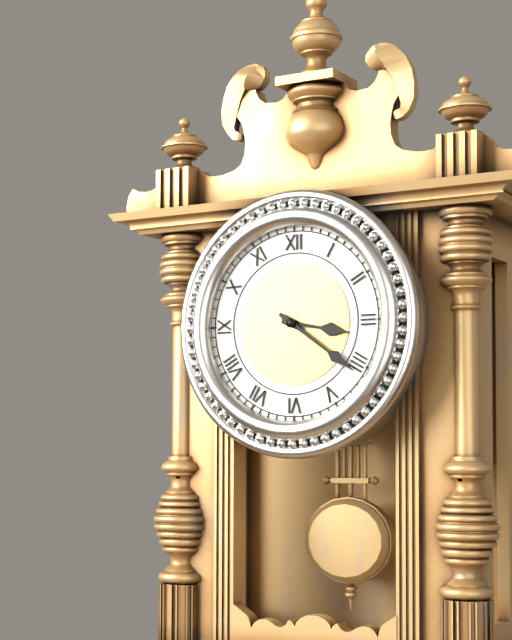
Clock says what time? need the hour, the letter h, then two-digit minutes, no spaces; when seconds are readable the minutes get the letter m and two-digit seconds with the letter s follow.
3h21
